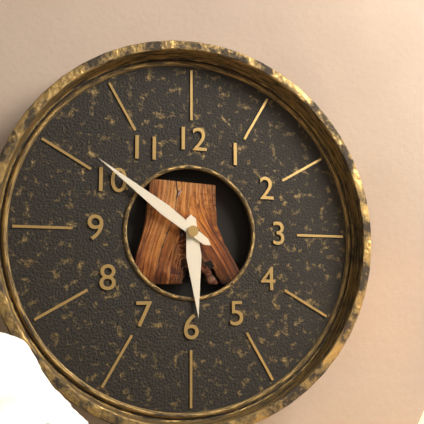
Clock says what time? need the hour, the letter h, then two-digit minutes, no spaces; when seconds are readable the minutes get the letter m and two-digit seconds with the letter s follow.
5h51
